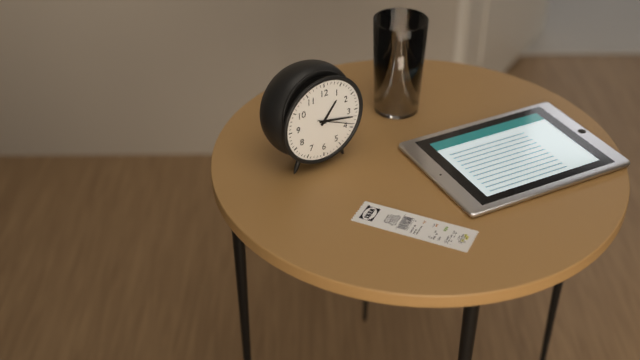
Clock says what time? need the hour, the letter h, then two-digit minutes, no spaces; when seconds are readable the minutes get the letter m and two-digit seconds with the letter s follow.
1h17
